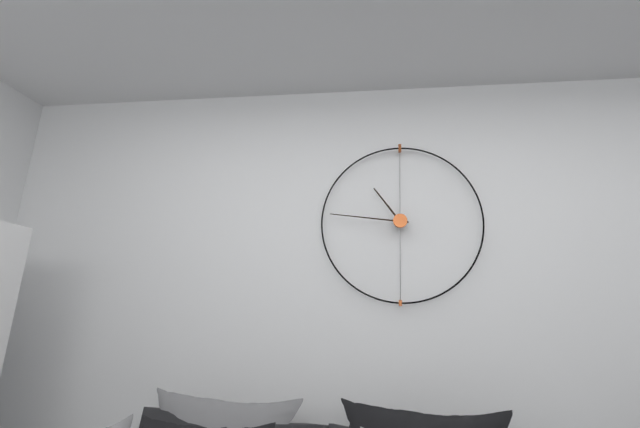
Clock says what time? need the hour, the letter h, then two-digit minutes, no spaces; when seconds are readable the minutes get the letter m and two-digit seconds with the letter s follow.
10h46
